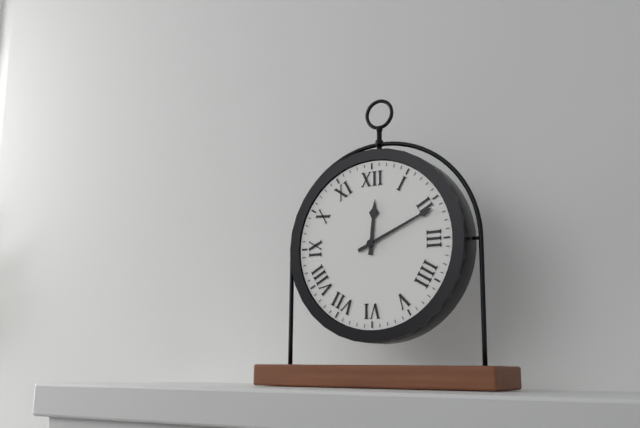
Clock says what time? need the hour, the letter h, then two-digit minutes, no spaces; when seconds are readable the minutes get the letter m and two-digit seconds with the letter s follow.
12h11
